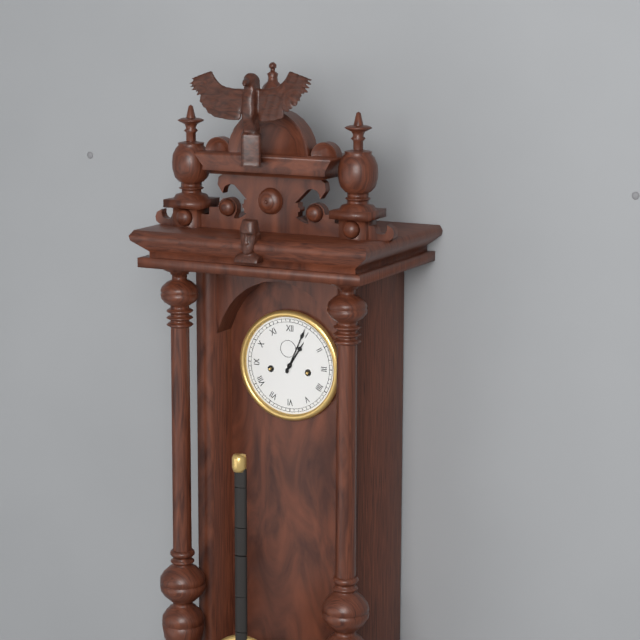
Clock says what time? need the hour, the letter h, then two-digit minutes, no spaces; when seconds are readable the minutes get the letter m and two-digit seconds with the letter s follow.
1h04
